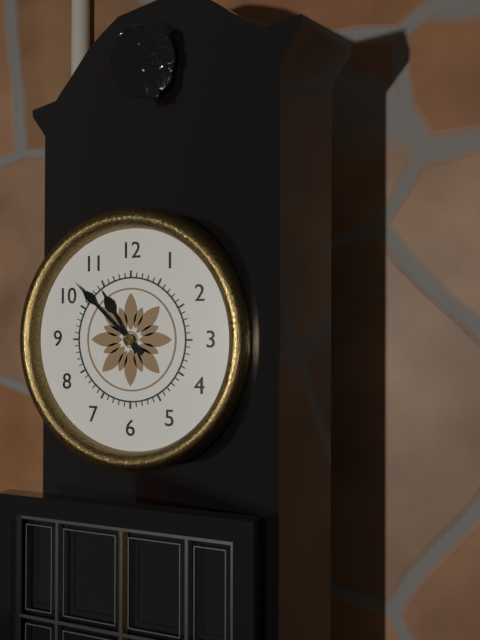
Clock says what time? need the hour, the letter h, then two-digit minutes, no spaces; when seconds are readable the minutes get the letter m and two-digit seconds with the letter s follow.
10h52
